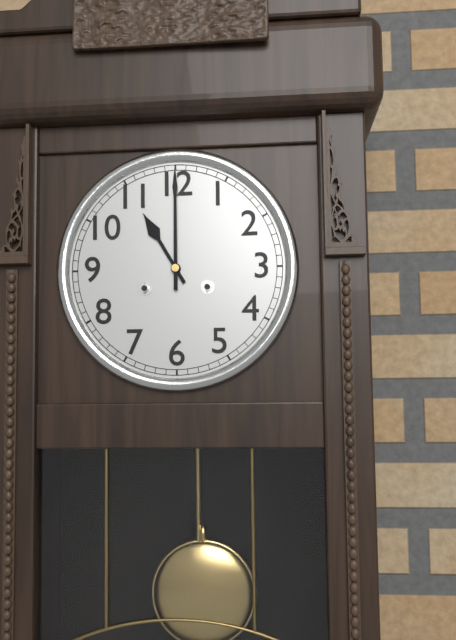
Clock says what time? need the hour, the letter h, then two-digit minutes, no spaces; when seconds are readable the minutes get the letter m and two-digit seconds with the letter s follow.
11h00
